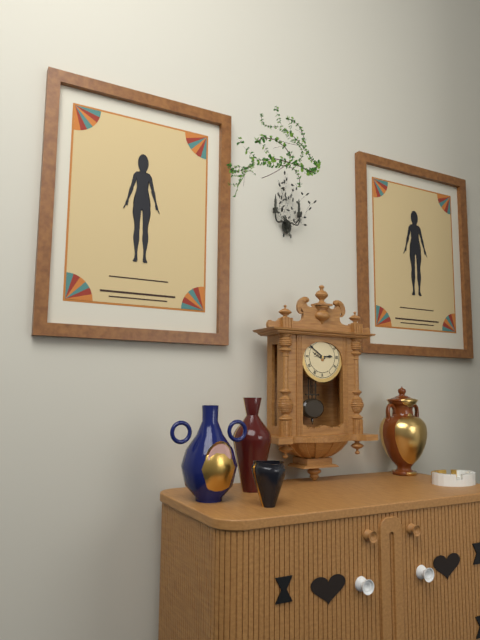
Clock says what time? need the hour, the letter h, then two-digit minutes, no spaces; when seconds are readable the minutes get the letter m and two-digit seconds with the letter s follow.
2h51
